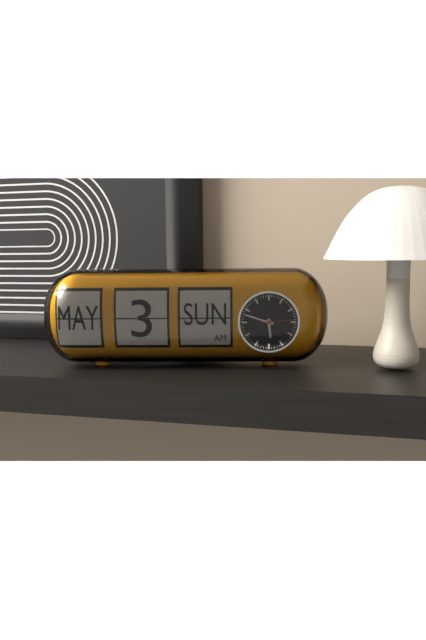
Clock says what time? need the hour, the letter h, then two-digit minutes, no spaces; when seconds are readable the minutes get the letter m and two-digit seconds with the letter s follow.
5h48
